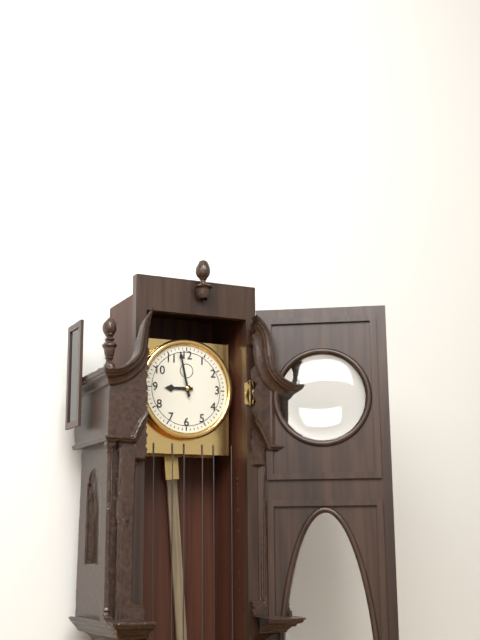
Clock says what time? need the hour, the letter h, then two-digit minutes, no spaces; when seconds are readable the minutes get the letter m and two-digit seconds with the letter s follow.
8h58
